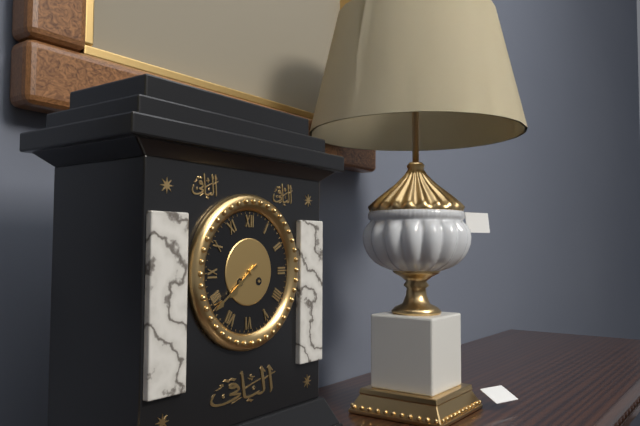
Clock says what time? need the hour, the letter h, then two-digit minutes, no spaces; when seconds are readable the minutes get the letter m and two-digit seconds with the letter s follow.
7h39
